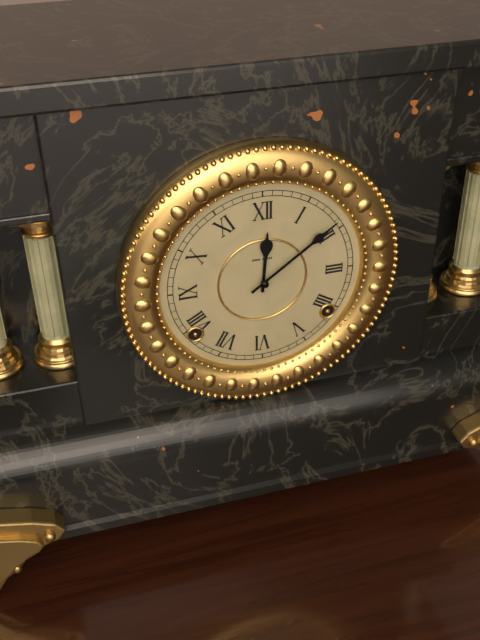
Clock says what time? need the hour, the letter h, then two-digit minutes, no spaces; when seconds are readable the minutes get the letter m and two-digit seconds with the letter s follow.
12h09
